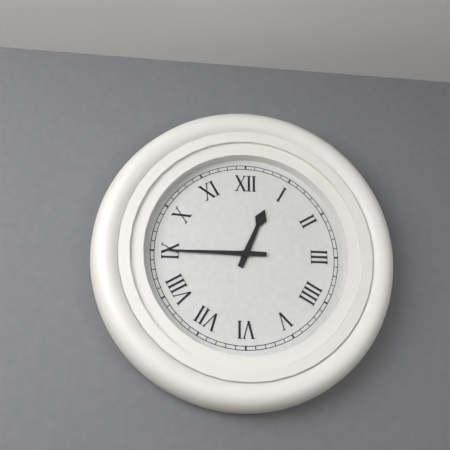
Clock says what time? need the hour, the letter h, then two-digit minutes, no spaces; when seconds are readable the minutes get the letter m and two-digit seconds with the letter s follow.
12h45
